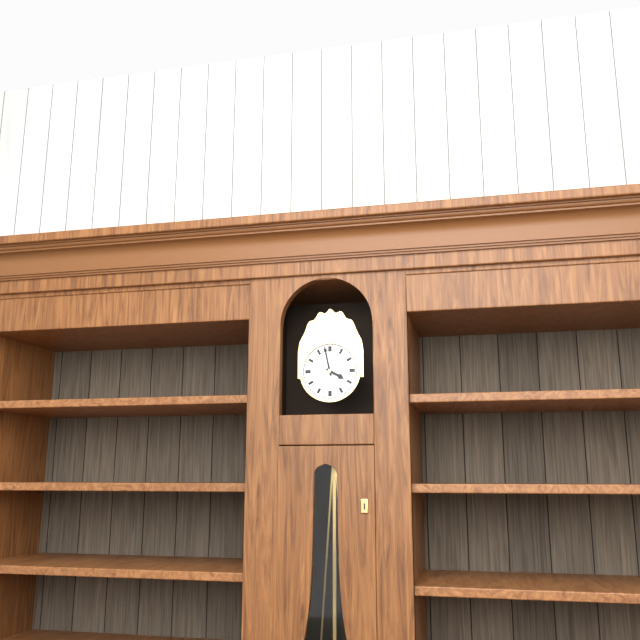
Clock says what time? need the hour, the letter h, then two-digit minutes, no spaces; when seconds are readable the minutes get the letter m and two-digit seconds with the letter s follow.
3h58
